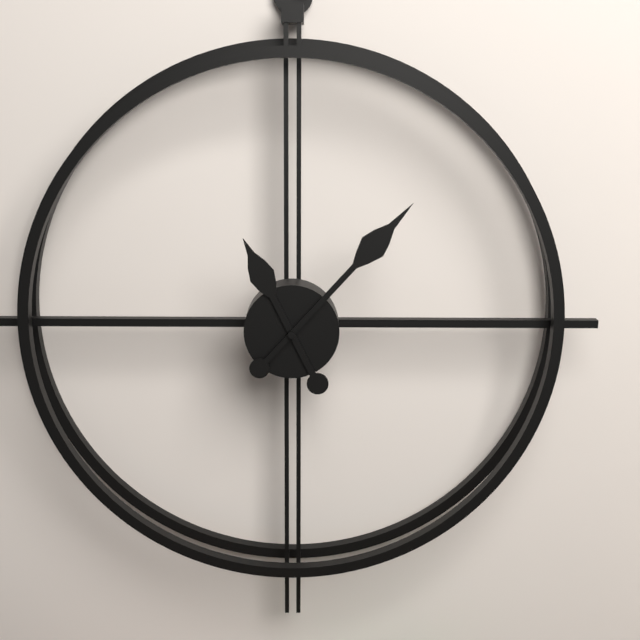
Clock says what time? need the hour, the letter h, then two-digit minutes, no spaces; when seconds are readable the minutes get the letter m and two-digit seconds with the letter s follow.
11h07
